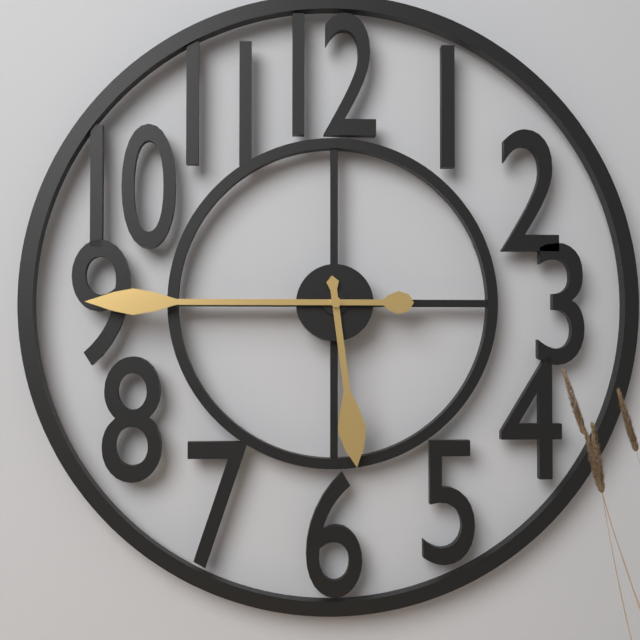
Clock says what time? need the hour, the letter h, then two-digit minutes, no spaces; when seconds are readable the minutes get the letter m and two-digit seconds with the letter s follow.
5h45
